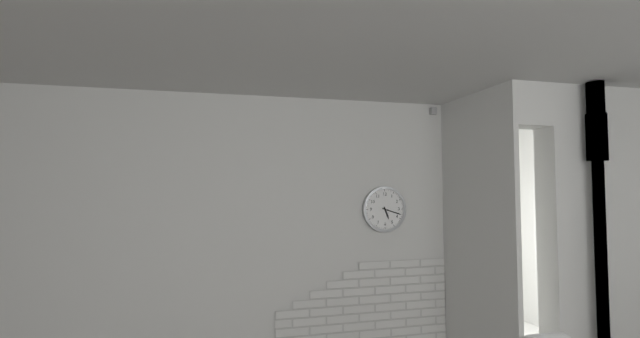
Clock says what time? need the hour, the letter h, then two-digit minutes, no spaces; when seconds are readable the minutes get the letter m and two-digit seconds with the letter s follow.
5h18
